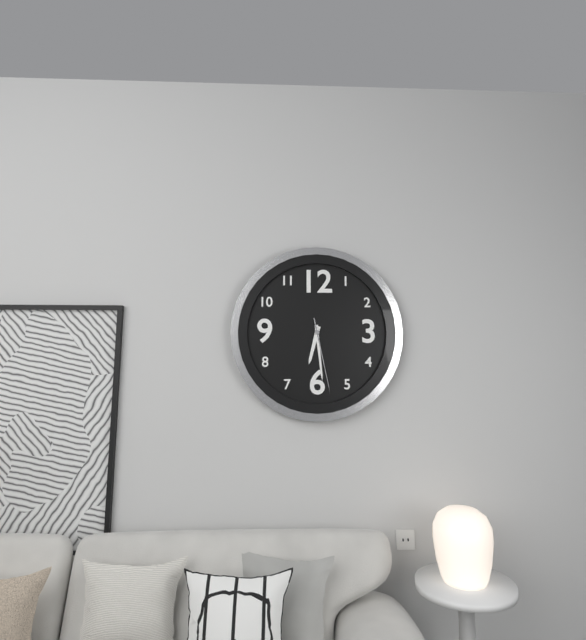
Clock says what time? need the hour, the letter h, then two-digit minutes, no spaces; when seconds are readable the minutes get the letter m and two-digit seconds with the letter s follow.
6h29m28s
